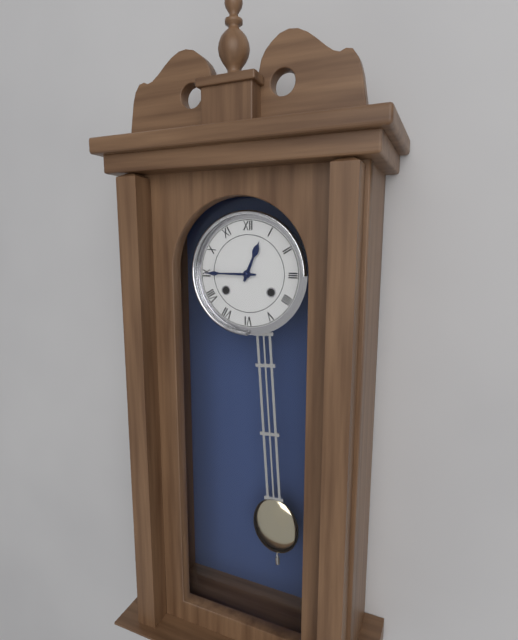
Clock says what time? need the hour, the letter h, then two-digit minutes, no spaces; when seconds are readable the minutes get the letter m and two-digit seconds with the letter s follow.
12h45
